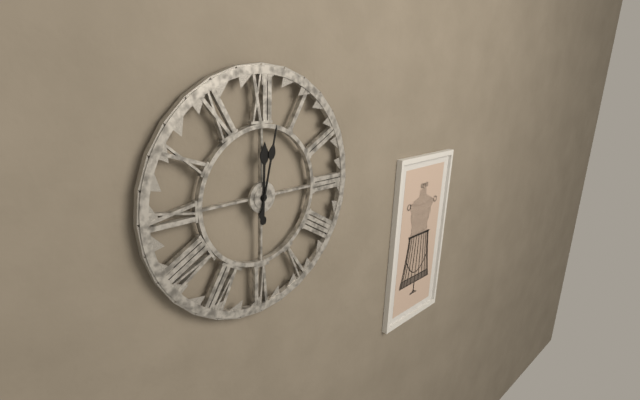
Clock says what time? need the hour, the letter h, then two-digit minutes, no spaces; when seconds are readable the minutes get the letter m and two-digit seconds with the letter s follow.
12h02
